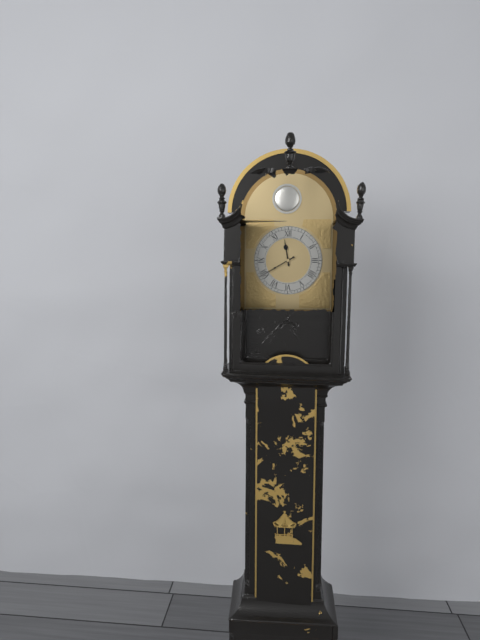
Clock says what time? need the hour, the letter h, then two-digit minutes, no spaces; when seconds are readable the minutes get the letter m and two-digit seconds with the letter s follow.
11h40
